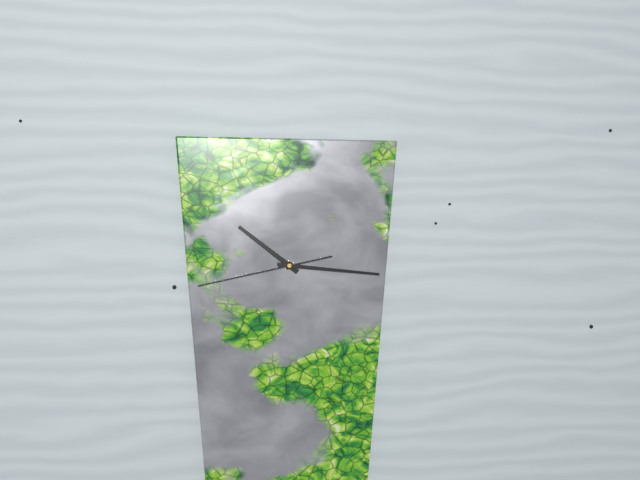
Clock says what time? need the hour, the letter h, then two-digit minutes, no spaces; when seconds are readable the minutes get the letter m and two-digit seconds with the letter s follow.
10h16m43s
